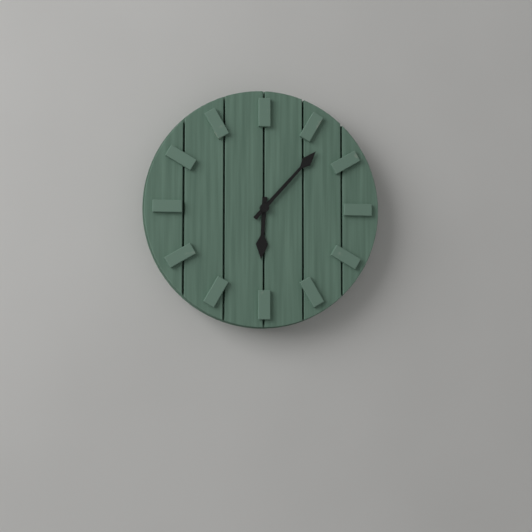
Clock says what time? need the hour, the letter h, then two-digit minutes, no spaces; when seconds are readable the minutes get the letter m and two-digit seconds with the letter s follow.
6h07
